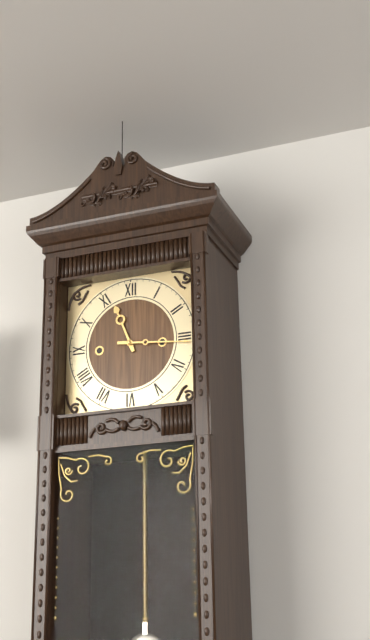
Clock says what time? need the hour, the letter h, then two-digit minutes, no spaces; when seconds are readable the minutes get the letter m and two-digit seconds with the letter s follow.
11h16
